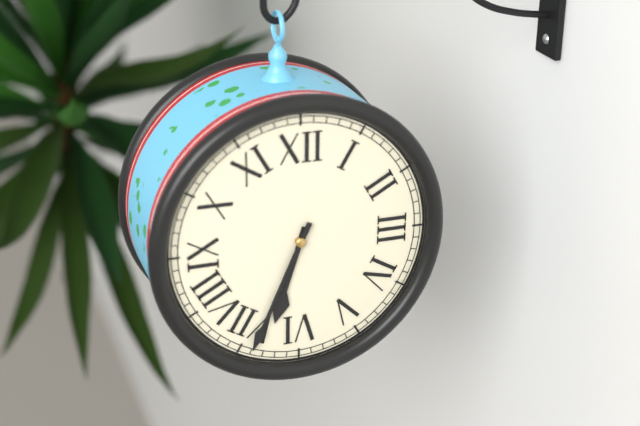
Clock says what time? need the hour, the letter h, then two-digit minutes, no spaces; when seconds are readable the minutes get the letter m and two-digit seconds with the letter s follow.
6h34
